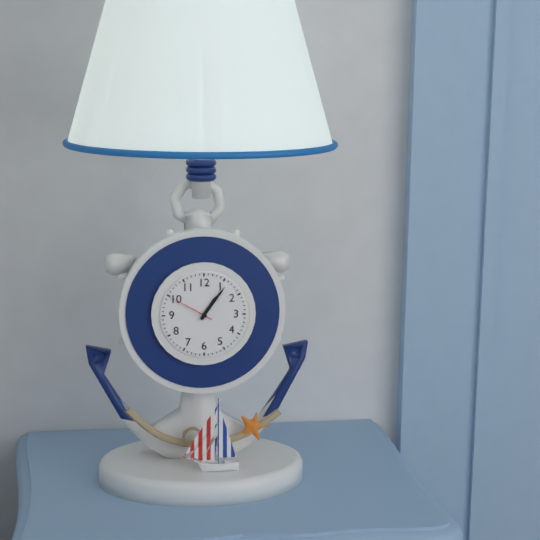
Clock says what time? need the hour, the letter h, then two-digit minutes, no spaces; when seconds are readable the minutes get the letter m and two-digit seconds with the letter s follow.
1h06
